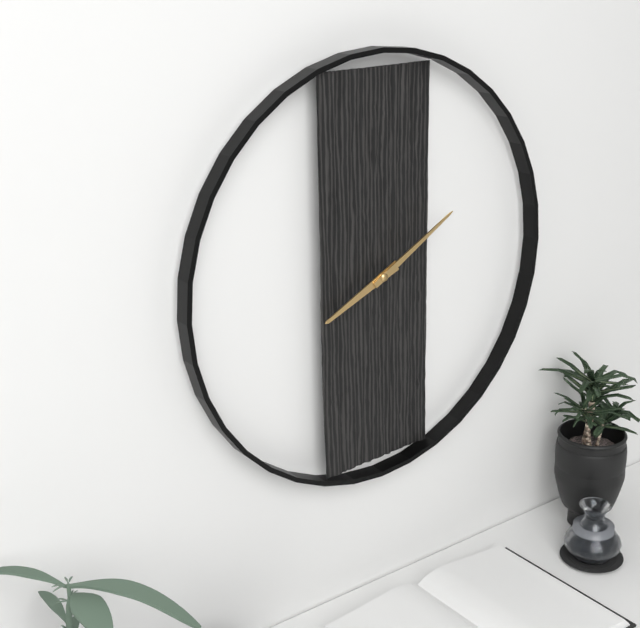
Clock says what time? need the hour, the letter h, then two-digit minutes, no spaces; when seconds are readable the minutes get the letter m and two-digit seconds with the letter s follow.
8h10
